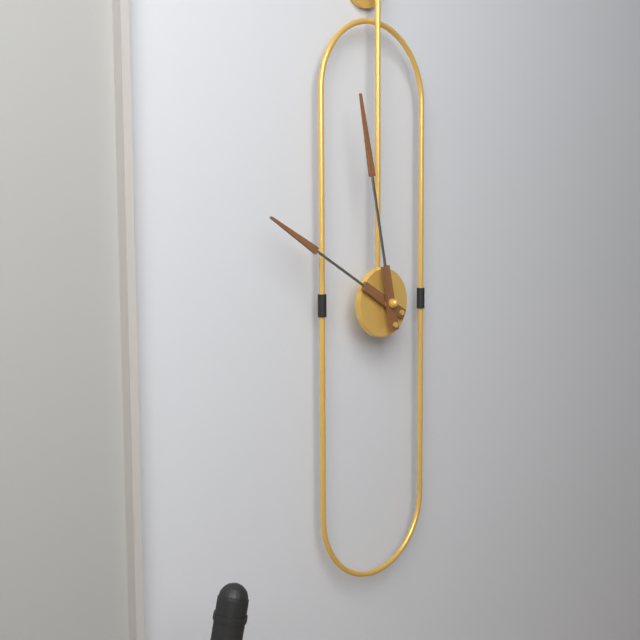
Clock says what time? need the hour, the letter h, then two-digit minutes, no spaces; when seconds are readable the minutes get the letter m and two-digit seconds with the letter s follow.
9h58
